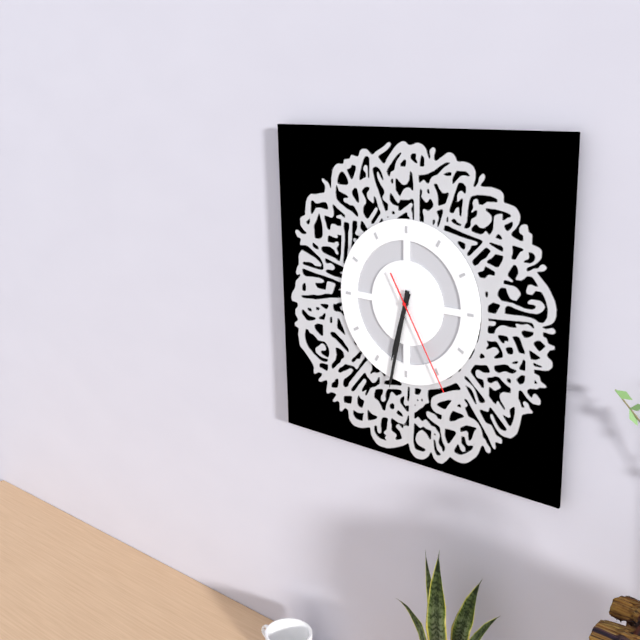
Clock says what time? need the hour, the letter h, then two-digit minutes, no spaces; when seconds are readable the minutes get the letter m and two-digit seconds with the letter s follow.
6h32m25s
